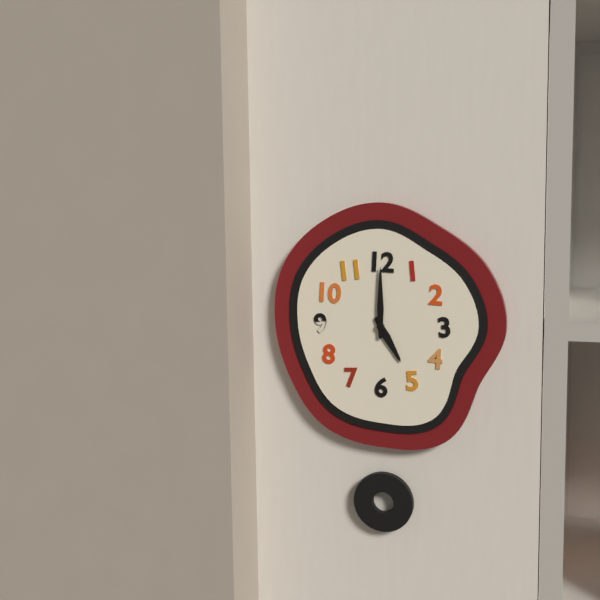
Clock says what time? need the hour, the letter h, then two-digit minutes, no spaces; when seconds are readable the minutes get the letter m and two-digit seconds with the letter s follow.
5h00
